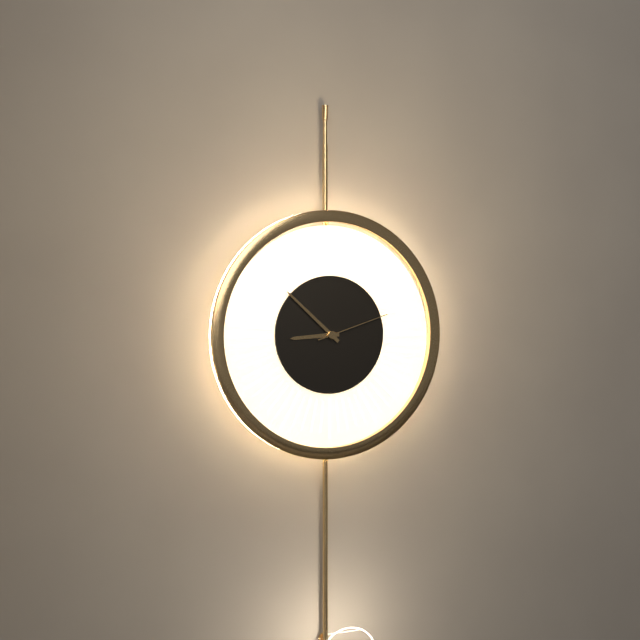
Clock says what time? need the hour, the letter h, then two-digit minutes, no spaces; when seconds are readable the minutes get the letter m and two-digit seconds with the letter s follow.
8h52m12s
